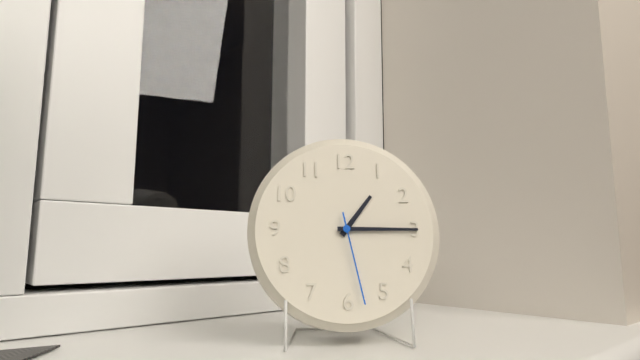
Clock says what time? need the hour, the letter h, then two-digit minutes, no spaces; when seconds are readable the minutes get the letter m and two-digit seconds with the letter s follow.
1h15m28s
